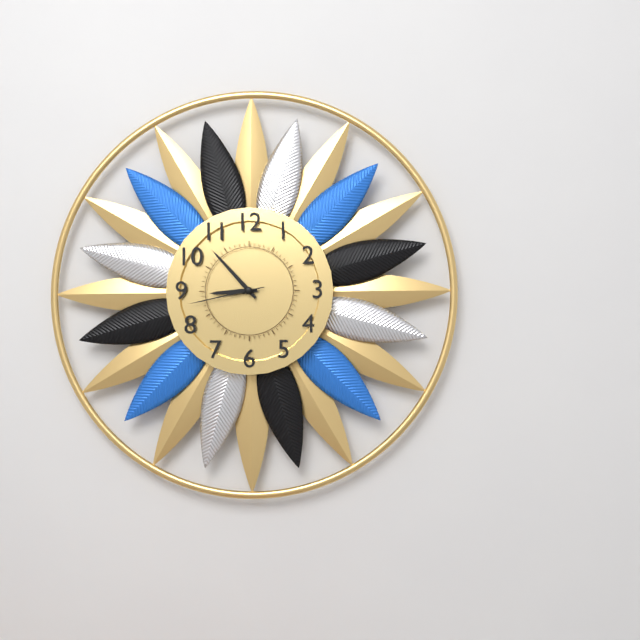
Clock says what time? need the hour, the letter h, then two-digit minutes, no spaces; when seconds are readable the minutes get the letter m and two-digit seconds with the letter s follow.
8h53m43s
